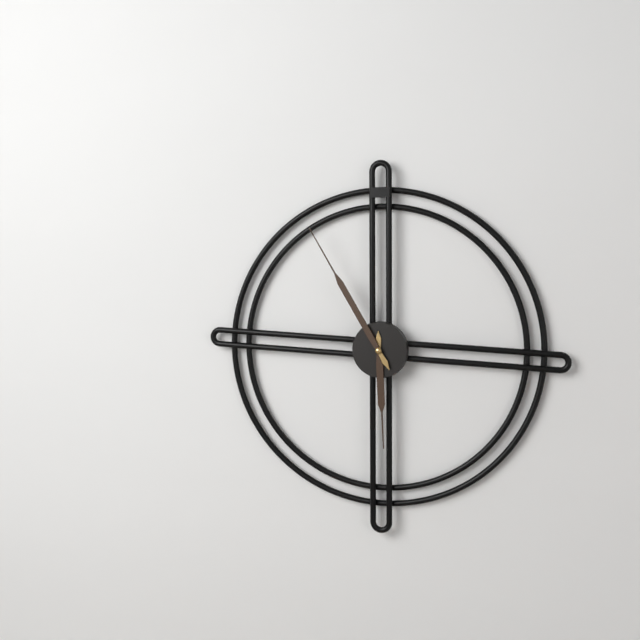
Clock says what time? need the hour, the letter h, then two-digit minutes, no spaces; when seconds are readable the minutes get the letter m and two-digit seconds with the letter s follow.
5h55
